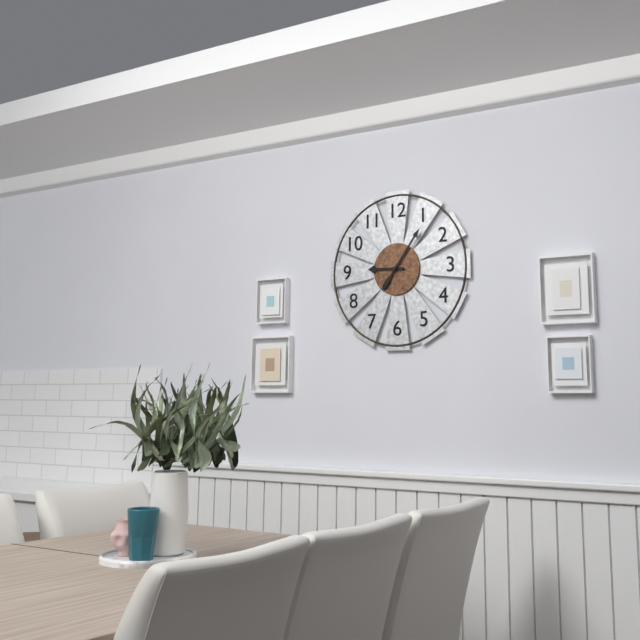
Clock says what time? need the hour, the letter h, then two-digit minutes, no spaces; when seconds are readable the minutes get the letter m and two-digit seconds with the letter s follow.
9h06
